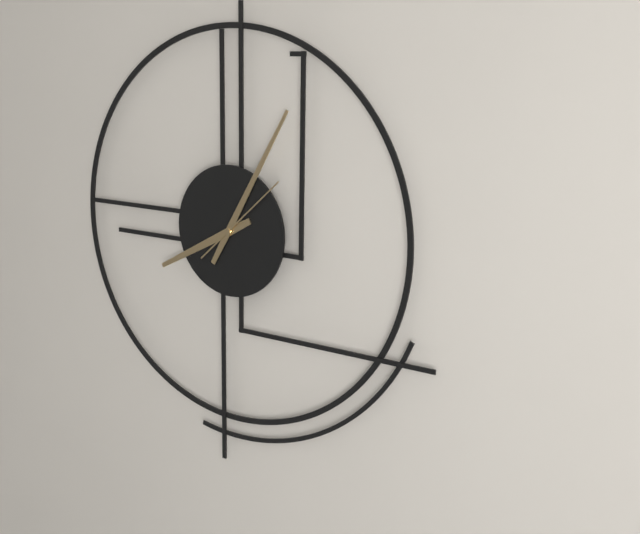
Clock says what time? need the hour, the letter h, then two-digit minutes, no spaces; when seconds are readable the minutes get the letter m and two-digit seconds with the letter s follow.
8h05m08s
